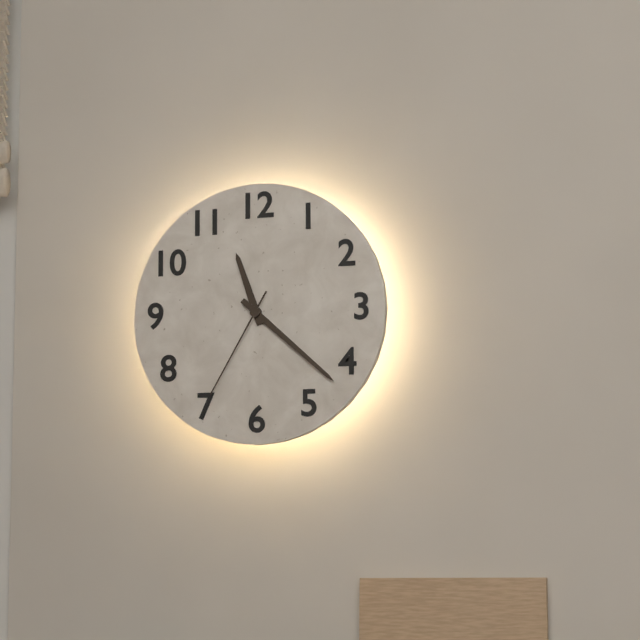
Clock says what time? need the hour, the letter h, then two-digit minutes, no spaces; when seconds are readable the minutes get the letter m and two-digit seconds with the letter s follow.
11h22m35s
